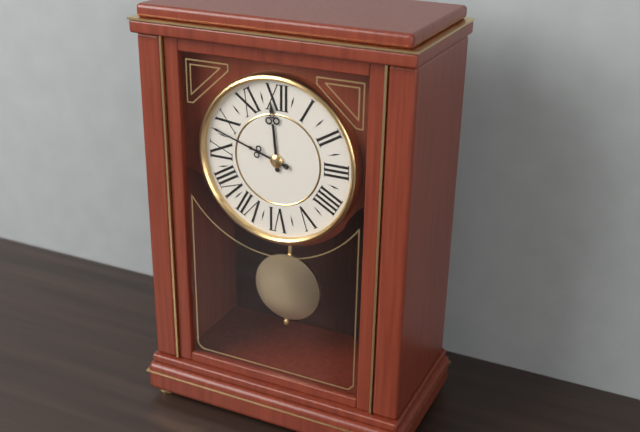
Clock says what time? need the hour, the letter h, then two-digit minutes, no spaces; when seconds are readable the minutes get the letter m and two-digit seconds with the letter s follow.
11h48
